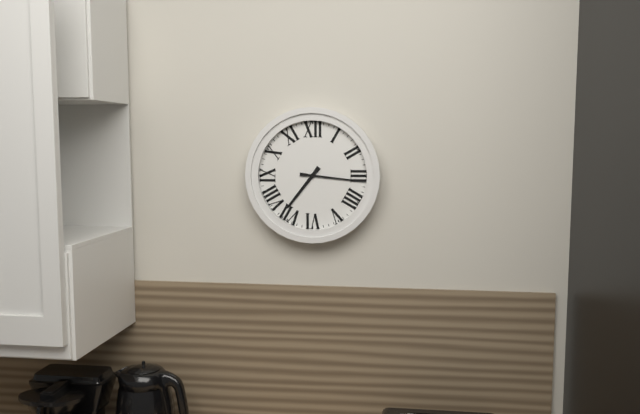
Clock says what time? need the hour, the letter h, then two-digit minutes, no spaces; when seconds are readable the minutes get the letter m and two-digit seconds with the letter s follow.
7h16
